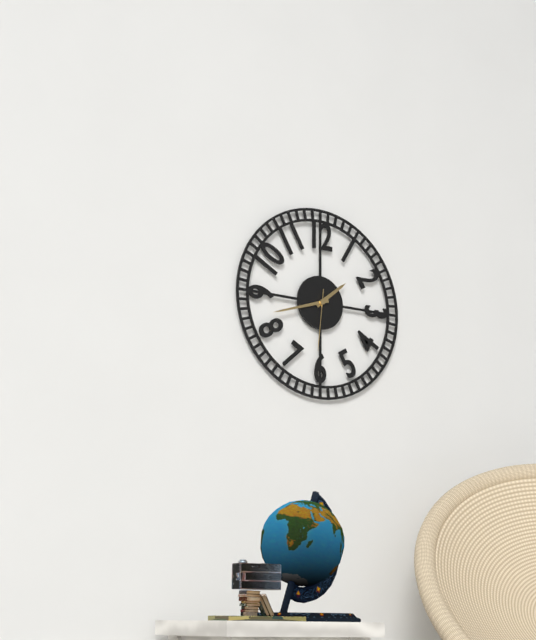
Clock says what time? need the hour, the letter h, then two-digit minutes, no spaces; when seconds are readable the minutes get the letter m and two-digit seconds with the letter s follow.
1h42m31s
